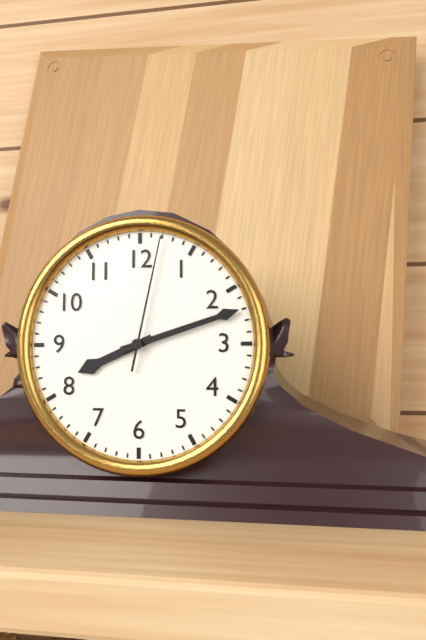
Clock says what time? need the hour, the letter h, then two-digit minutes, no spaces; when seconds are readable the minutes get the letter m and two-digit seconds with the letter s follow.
8h12m02s
